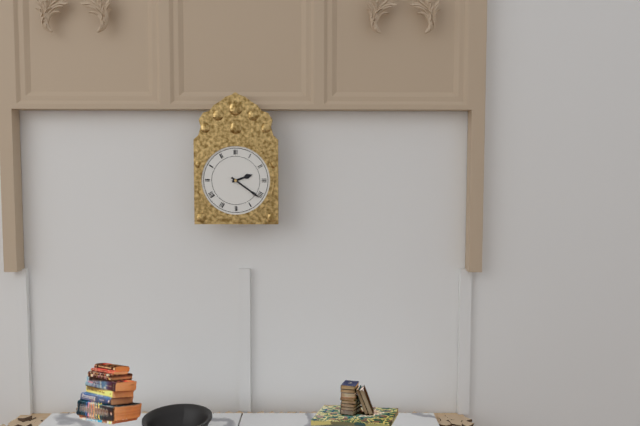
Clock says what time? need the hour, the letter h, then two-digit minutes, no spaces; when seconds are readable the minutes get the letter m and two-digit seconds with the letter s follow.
2h21
